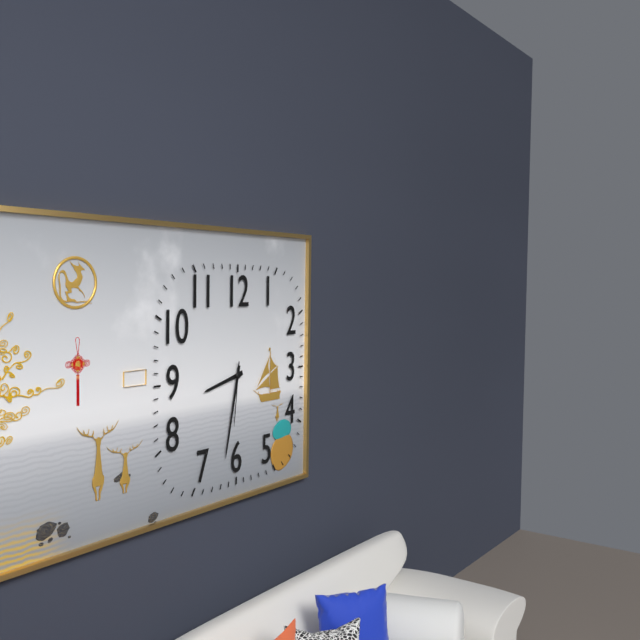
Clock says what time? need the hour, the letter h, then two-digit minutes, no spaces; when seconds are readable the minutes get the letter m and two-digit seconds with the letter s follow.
8h32m31s
